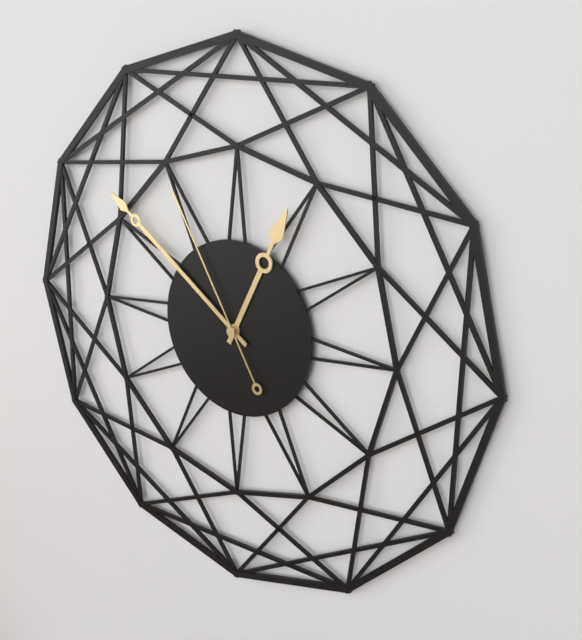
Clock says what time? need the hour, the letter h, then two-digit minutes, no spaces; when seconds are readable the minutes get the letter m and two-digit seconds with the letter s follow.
12h51m55s
